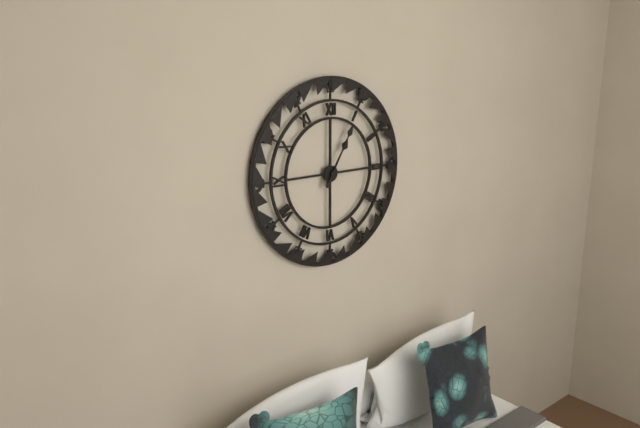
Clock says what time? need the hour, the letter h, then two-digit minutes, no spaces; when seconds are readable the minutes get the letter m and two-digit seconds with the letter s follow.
1h05
